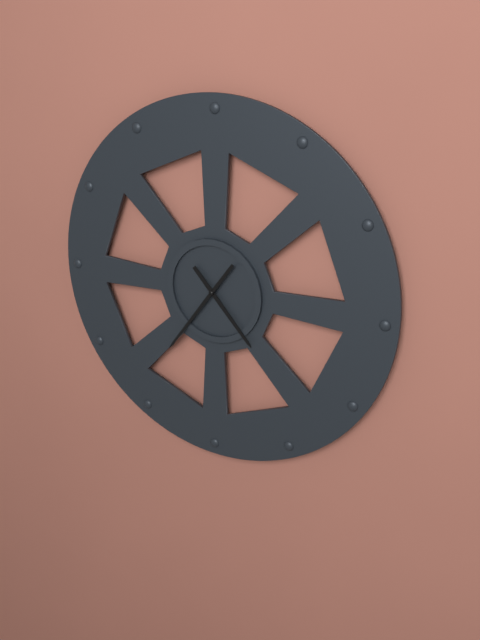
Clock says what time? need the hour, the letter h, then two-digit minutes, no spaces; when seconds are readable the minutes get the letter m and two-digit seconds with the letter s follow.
4h36
